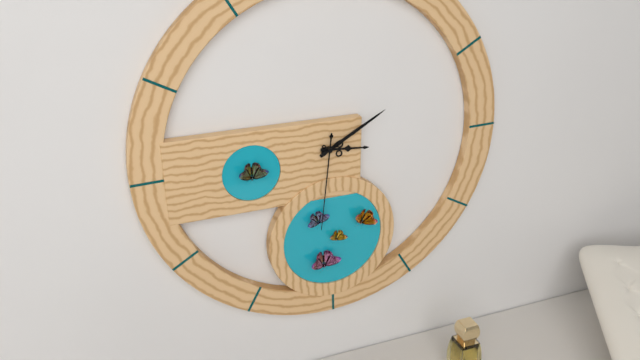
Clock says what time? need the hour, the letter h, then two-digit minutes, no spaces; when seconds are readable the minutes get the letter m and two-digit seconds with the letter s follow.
3h10m31s
